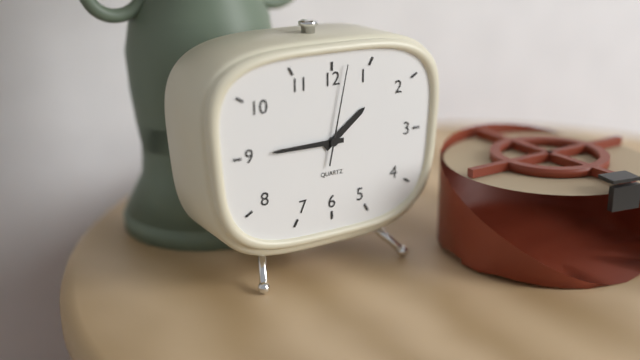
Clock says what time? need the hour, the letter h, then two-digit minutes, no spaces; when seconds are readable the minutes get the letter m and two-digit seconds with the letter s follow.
1h45m02s
